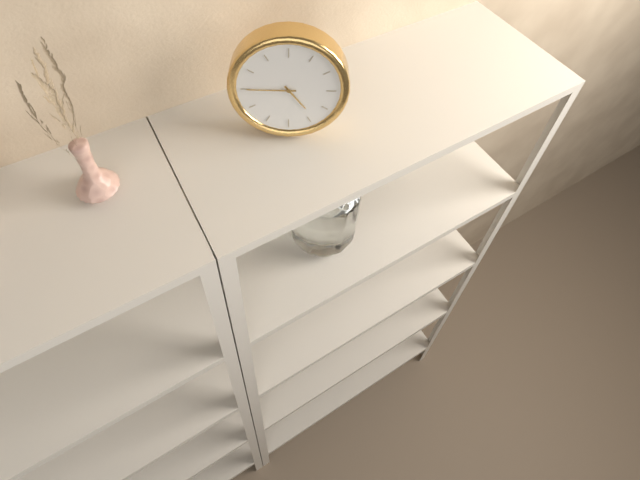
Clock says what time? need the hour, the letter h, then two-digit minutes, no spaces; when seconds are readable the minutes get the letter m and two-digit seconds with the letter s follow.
4h45
